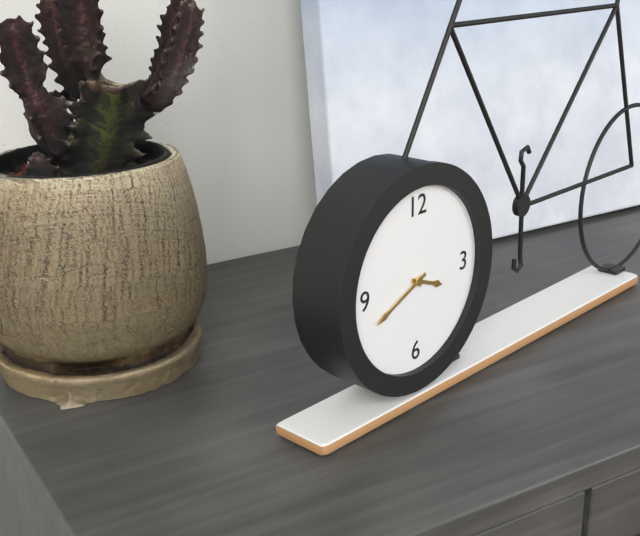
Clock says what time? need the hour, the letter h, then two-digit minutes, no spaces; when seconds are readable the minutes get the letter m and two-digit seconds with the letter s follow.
3h41
